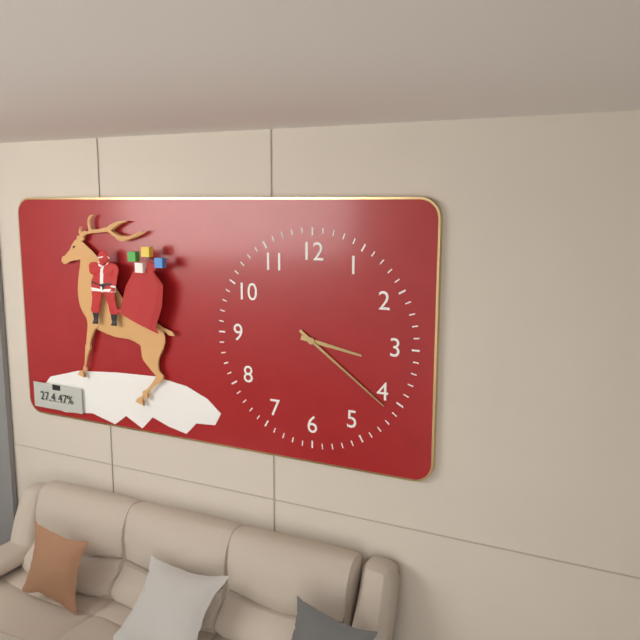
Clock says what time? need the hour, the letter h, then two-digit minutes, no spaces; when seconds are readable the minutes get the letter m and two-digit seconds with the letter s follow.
3h21
